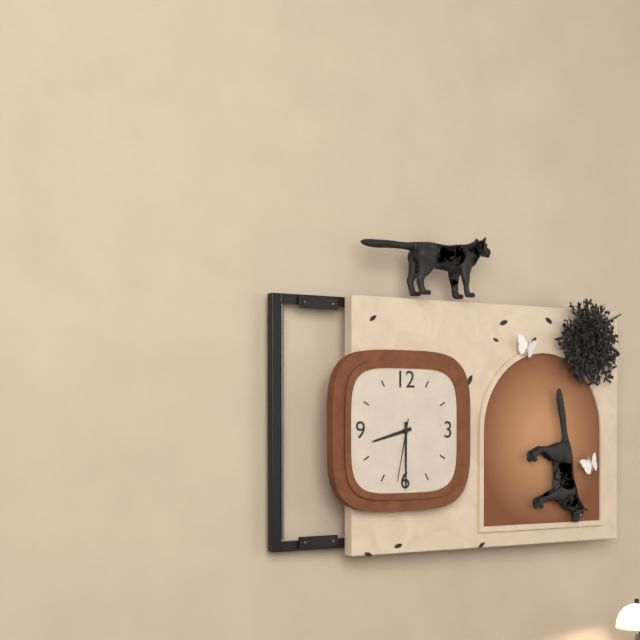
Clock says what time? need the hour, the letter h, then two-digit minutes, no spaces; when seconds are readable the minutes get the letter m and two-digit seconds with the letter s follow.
8h30m32s
